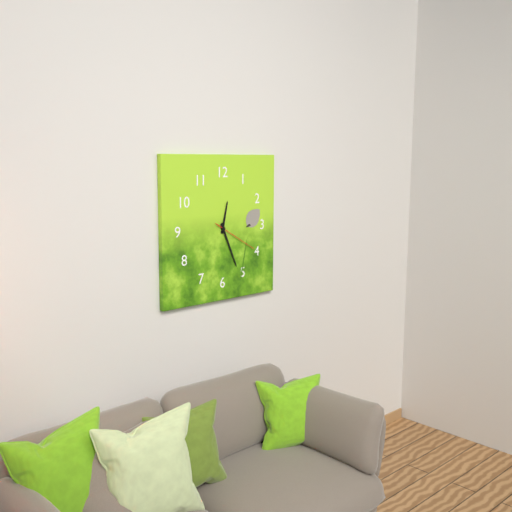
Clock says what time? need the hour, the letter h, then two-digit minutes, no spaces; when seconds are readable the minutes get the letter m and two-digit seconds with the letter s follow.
12h26
